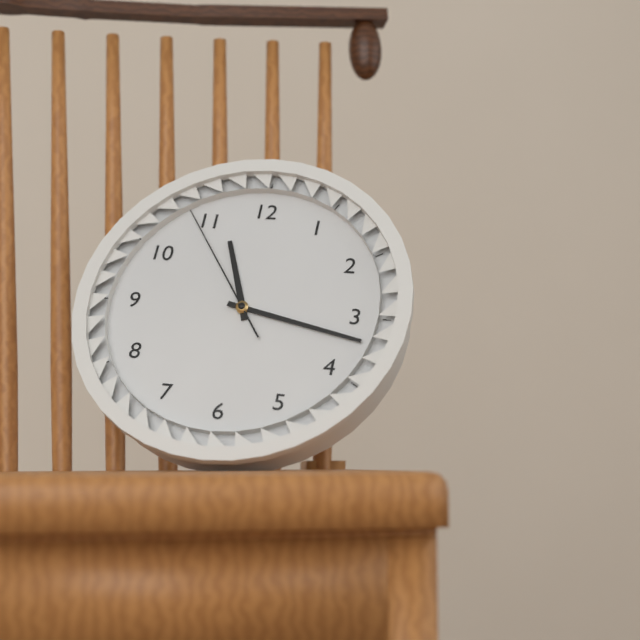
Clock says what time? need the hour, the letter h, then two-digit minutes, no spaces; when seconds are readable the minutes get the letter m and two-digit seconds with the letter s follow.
11h17m54s
